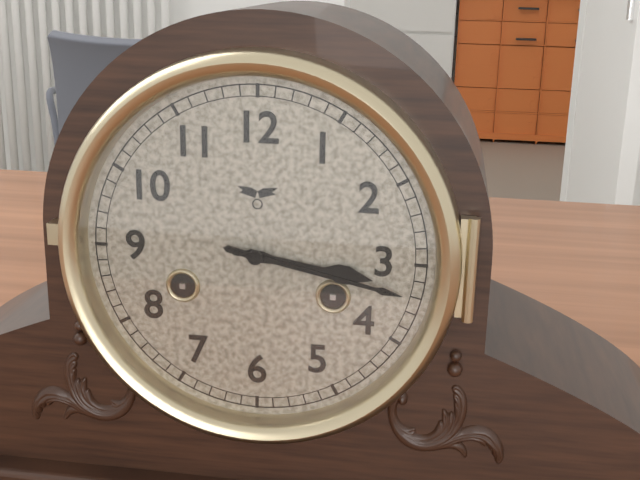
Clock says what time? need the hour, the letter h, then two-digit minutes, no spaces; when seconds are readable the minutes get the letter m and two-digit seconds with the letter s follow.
3h17
